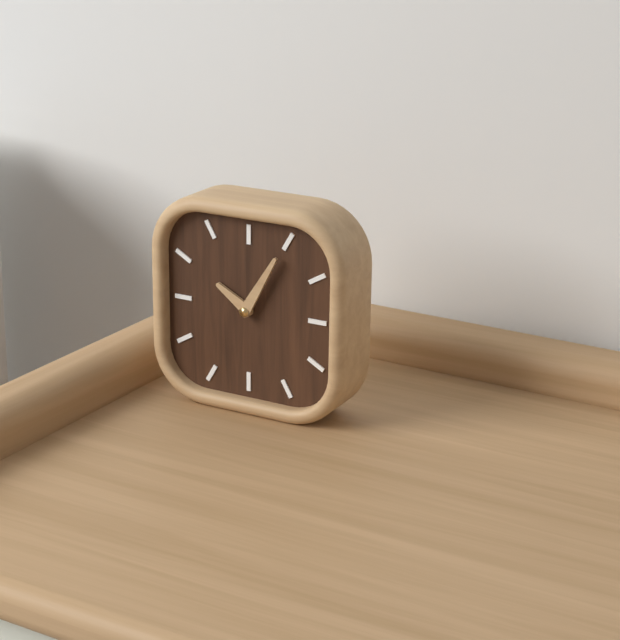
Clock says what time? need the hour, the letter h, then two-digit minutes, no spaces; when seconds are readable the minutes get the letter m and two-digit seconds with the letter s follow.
10h05
